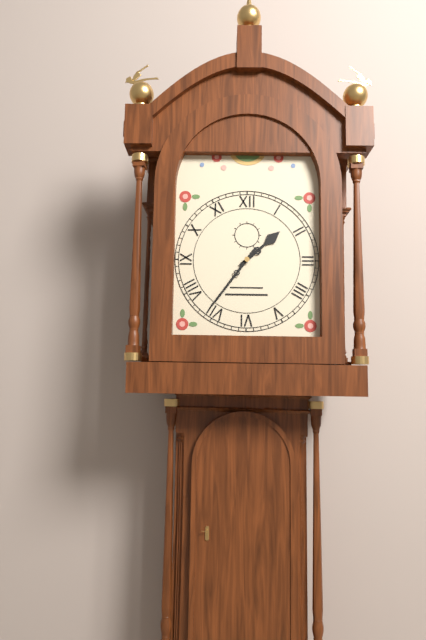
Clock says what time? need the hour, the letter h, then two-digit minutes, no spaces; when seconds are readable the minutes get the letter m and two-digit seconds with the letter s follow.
1h36
